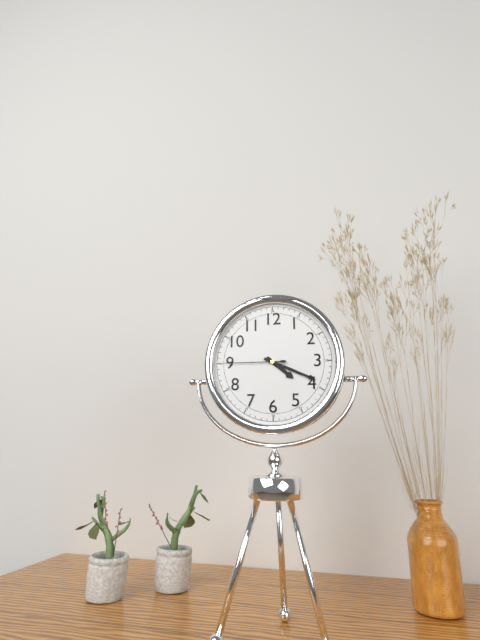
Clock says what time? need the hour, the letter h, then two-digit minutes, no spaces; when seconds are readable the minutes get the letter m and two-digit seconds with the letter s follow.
4h19m45s
